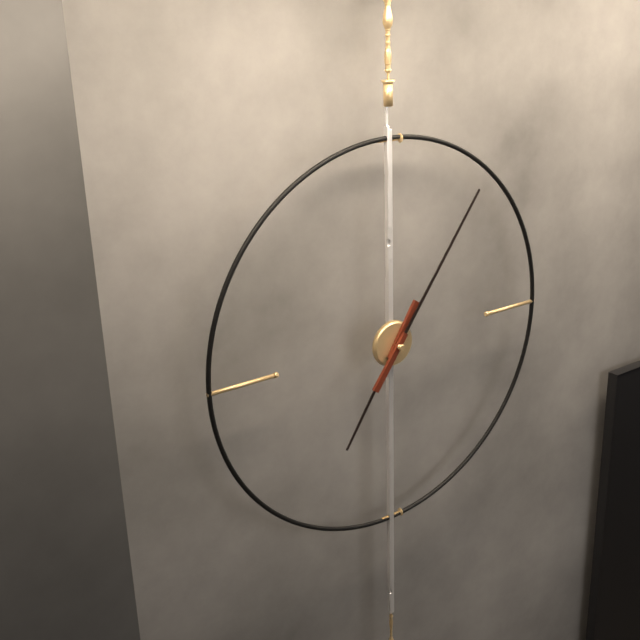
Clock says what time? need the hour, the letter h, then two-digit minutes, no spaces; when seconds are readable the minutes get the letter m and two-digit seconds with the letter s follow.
7h06
